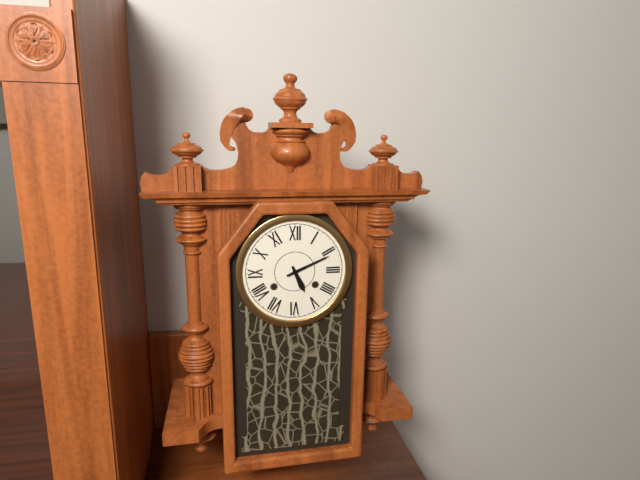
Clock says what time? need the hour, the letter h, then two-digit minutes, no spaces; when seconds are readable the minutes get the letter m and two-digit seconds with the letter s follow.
5h11
